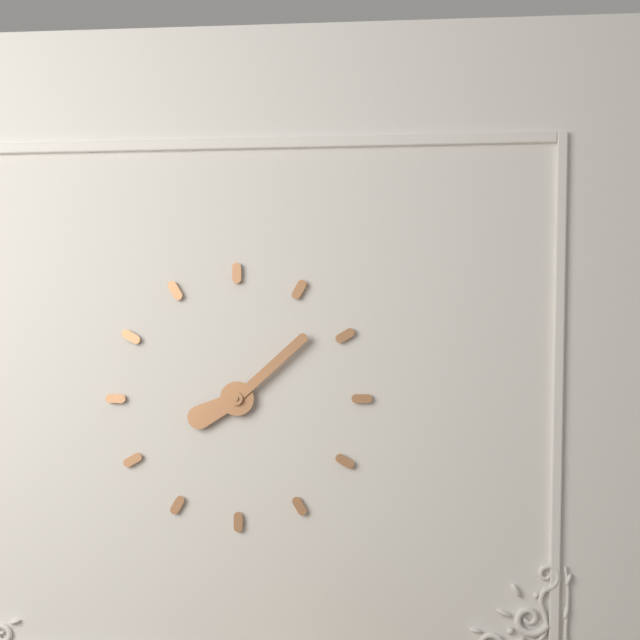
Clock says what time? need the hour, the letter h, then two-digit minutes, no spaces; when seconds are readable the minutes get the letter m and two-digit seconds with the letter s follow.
8h08
